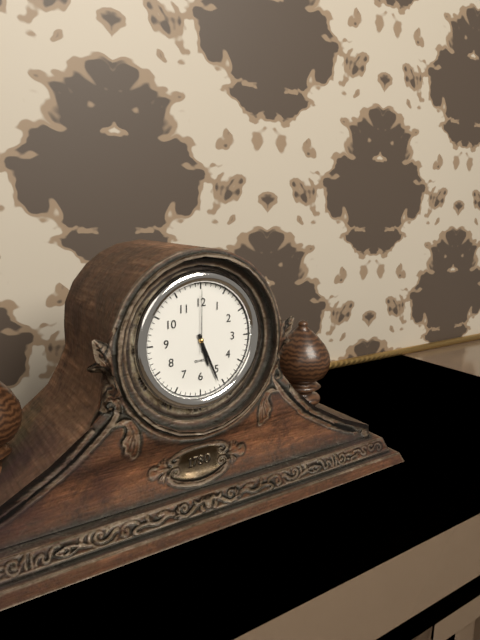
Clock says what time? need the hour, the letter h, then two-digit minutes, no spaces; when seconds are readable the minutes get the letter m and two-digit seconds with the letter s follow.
5h26m00s
